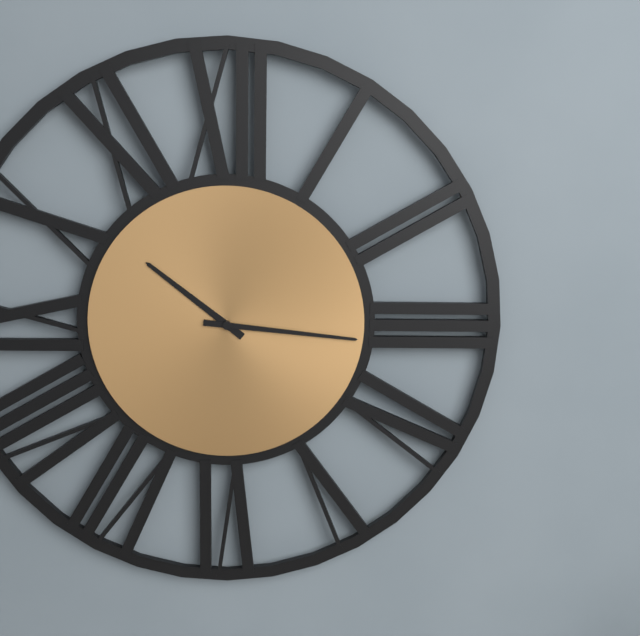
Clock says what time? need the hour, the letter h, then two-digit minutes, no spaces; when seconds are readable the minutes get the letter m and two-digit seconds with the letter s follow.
10h16
